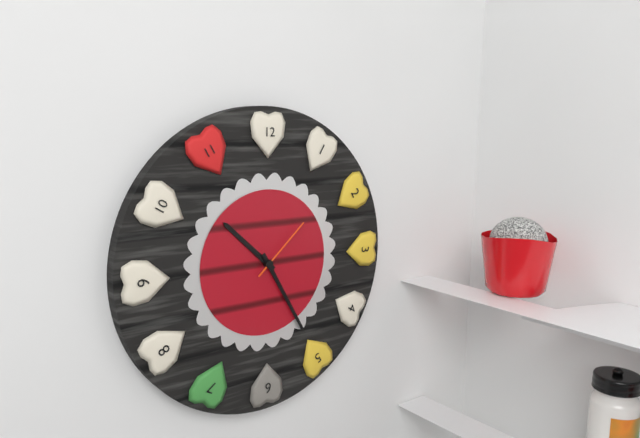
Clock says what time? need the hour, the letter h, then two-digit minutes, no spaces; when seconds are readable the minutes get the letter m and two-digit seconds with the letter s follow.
10h25m08s
